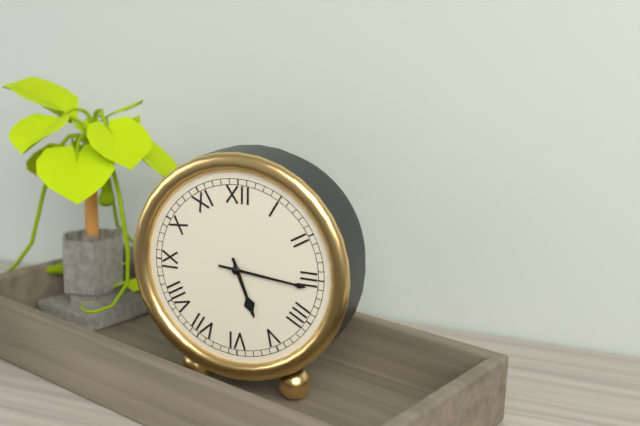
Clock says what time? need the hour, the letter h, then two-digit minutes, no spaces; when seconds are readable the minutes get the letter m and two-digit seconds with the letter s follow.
5h16
